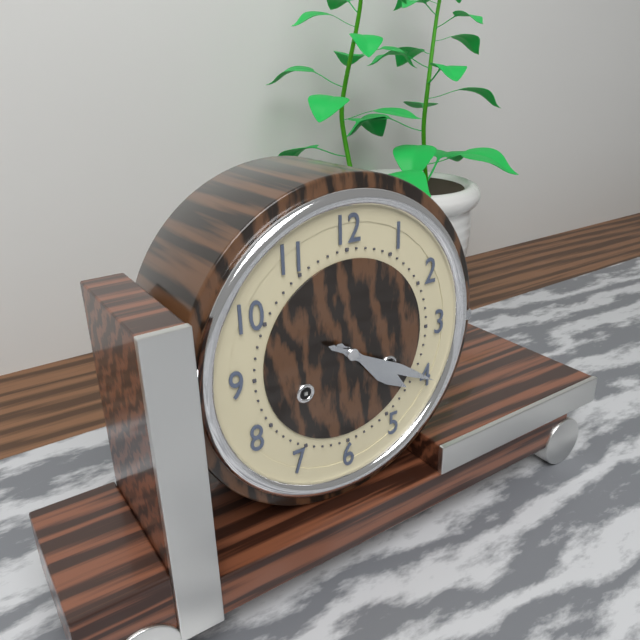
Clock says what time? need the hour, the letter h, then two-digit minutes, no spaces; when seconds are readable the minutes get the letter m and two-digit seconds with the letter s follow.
4h20
